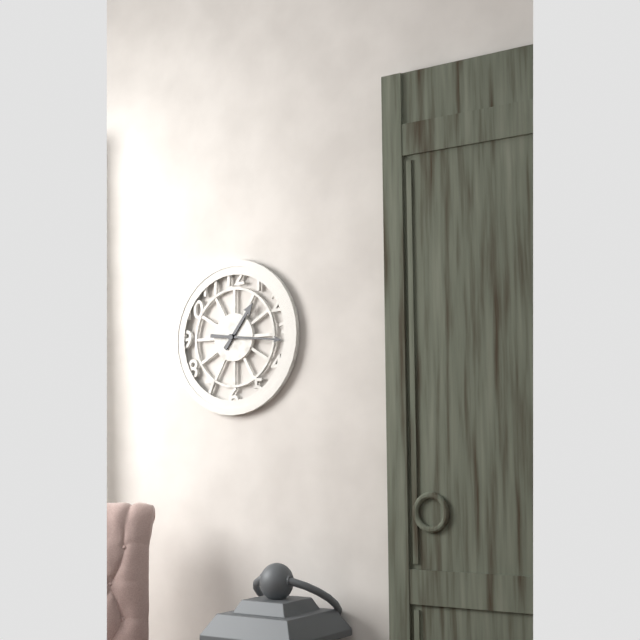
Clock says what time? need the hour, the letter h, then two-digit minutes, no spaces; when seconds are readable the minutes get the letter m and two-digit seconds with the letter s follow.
1h16
